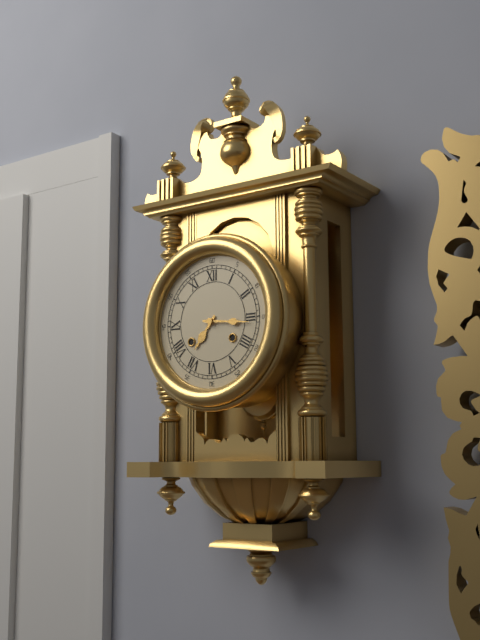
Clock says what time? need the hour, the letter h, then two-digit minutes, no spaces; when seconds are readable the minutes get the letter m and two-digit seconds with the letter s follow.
7h16
